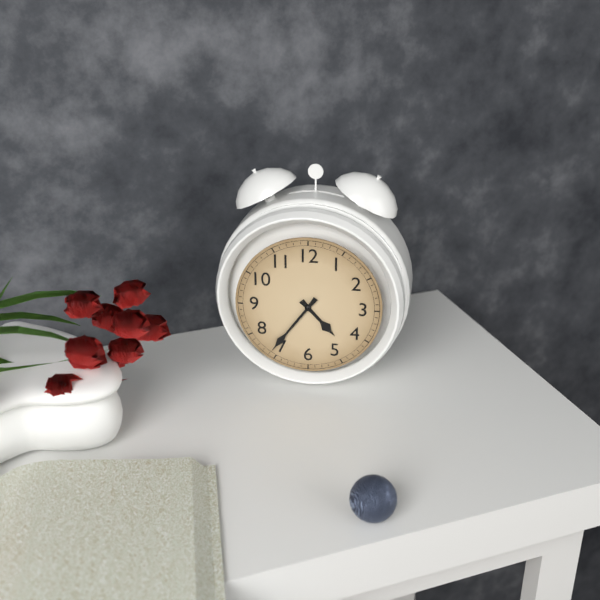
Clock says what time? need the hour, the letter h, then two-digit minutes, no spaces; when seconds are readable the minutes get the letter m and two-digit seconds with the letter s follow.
4h36
